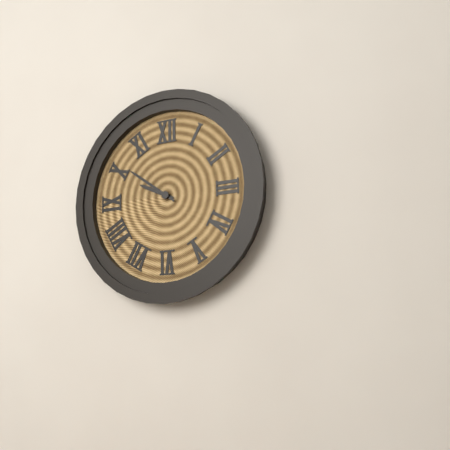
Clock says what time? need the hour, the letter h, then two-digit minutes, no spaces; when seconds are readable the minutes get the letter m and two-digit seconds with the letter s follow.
9h51
